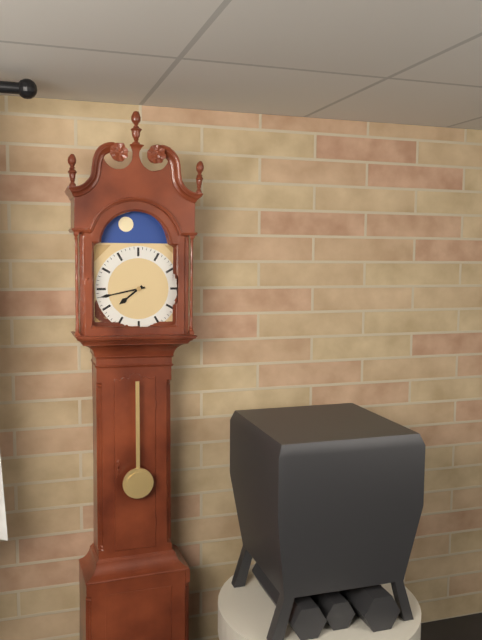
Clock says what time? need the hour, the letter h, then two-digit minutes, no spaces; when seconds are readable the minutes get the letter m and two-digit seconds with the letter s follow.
7h43
